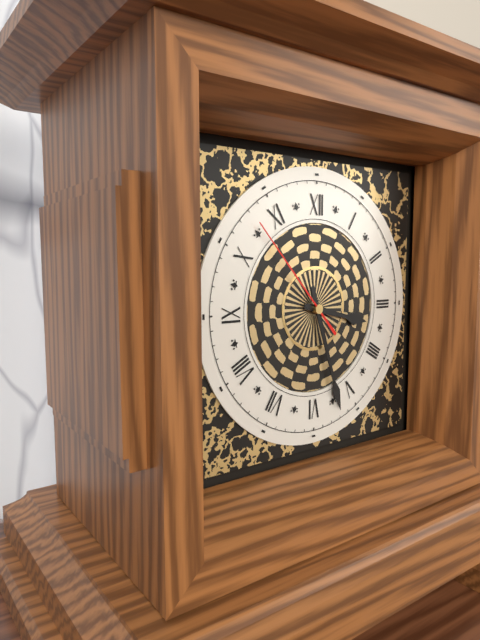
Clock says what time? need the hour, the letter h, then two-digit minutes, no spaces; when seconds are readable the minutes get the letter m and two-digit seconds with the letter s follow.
3h27m53s
